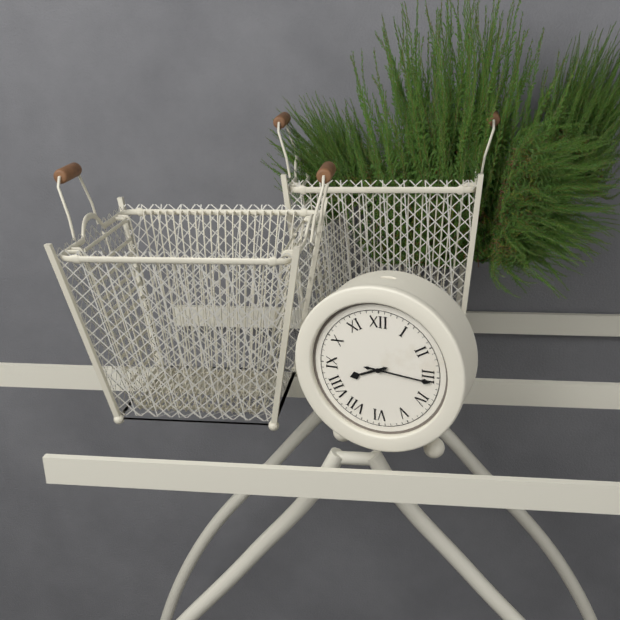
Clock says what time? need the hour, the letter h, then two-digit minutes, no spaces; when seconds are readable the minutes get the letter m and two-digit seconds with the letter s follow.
8h16
